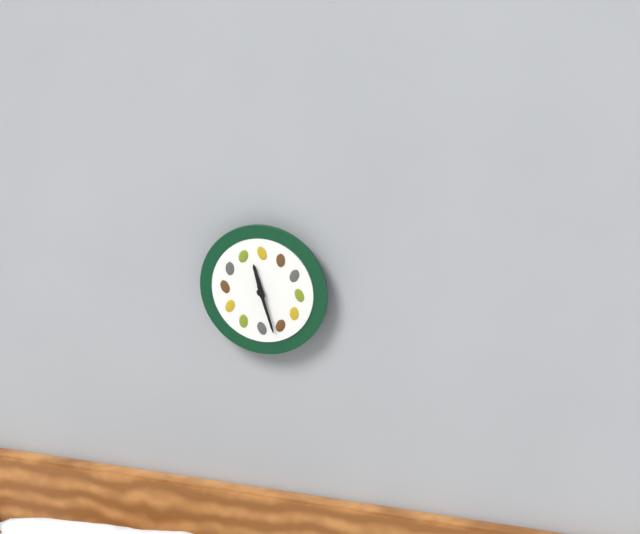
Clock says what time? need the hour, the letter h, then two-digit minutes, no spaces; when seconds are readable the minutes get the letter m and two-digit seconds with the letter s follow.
11h27
